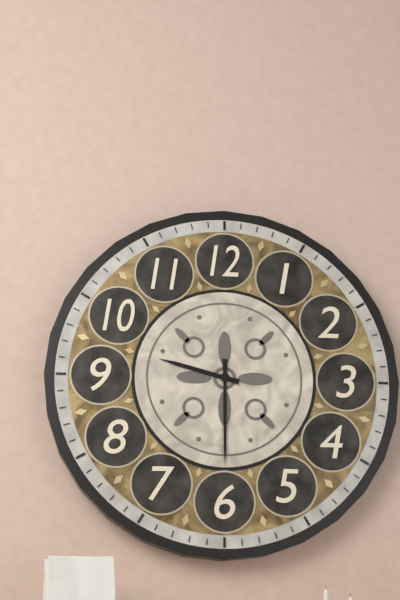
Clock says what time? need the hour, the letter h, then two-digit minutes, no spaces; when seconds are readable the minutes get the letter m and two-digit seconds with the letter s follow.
9h30
